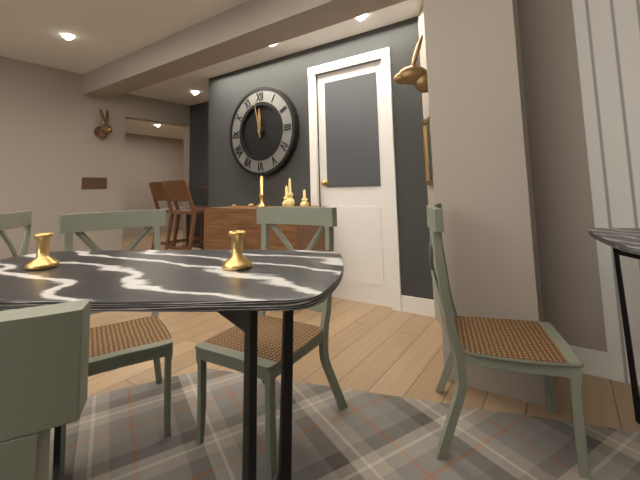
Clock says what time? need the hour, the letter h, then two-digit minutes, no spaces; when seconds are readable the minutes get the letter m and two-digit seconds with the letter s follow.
11h58
